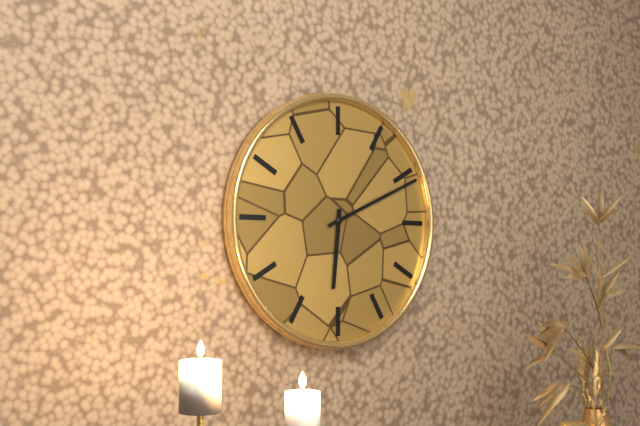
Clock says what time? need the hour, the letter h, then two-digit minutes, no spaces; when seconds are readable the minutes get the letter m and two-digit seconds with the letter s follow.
6h11
